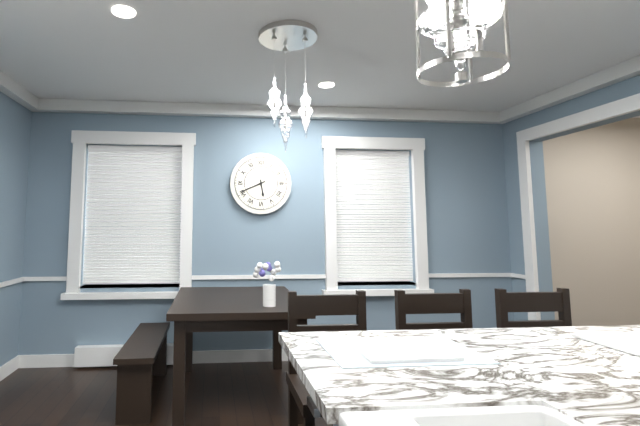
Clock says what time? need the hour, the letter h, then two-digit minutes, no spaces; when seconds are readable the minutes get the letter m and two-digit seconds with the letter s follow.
5h41
